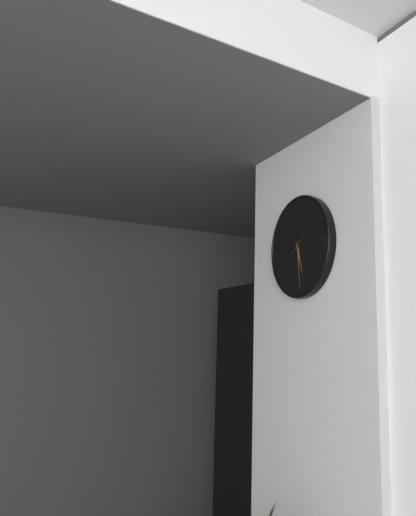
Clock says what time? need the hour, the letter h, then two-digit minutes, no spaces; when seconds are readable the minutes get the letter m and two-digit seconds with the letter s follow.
5h29
